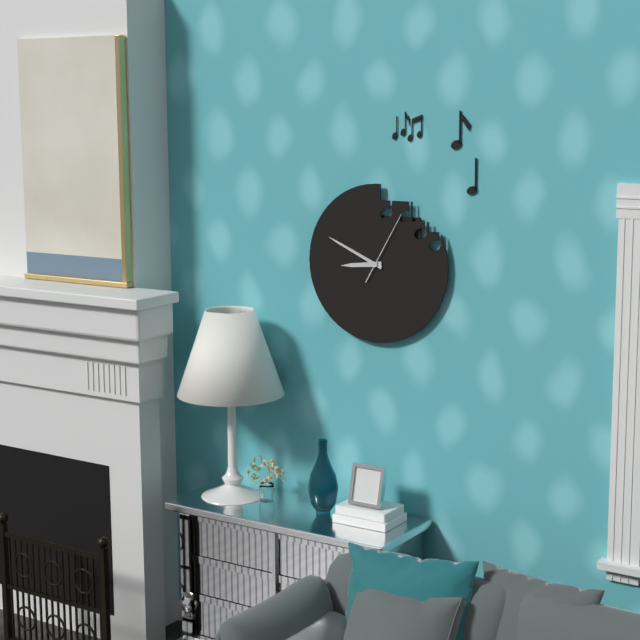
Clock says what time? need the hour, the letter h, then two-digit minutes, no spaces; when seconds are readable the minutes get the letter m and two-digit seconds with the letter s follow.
8h49m05s
